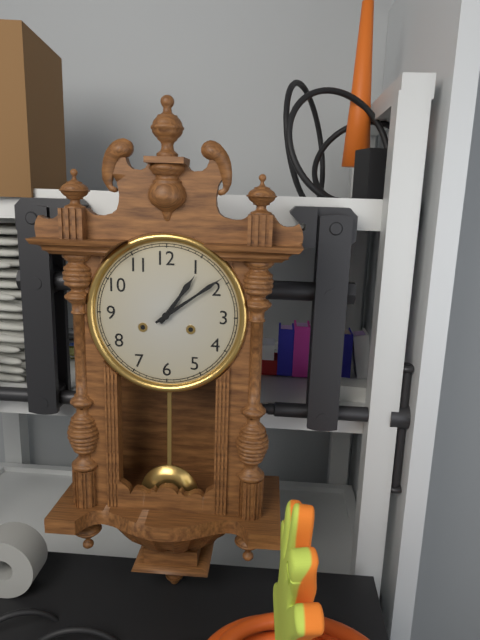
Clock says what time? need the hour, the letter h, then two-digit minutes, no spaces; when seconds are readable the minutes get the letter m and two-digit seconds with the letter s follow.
1h09
